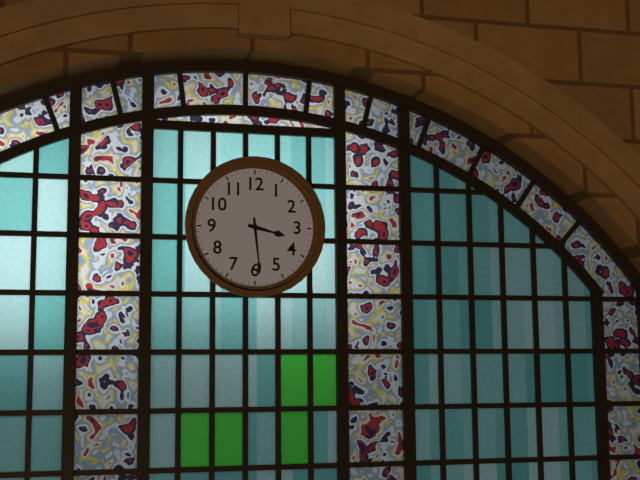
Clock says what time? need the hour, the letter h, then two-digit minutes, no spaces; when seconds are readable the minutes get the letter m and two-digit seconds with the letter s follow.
3h29
